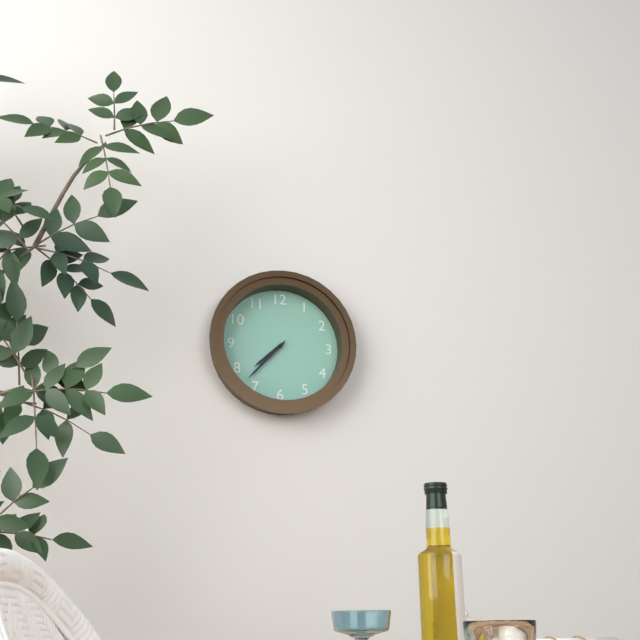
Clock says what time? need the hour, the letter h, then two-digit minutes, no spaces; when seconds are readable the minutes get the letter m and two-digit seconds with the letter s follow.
7h37
